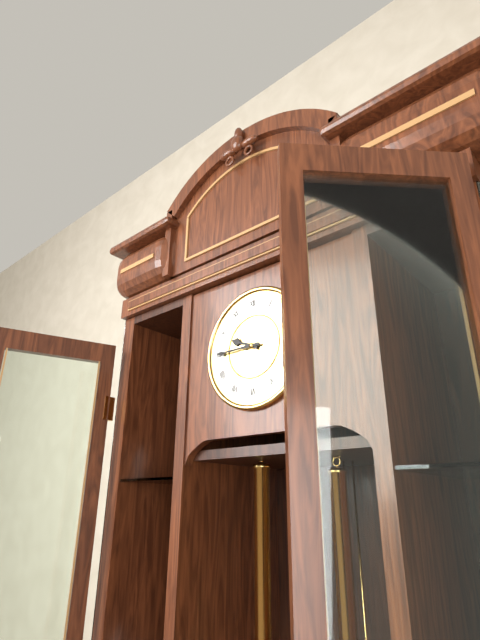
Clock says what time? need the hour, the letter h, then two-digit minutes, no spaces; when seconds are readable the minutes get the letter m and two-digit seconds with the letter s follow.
9h45
